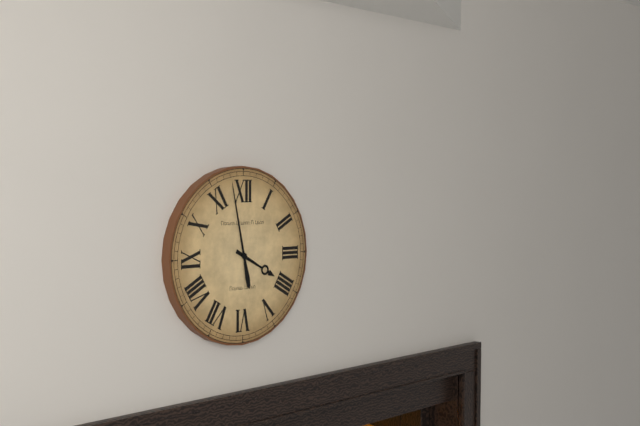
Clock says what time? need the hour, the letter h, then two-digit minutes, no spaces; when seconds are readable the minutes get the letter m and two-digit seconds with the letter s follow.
3h58
